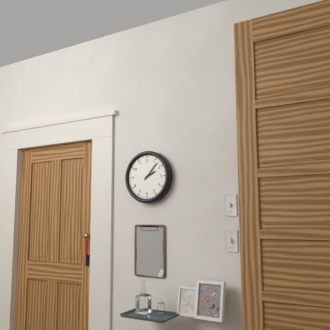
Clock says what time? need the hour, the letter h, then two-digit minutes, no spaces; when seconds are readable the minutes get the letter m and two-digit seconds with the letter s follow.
2h07
